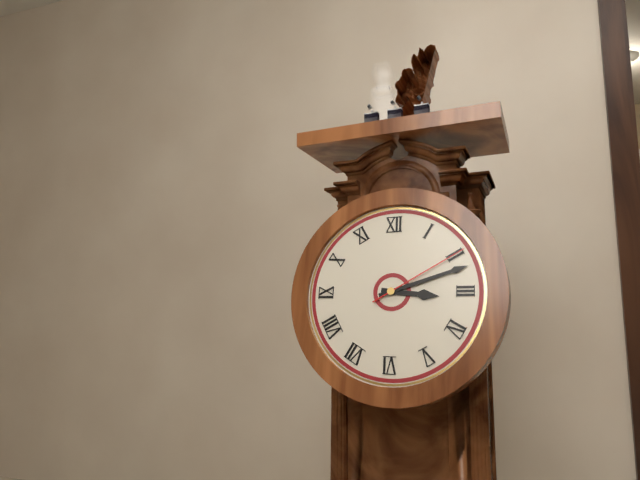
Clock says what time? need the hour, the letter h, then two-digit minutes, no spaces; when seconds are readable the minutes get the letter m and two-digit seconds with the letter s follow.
3h12m10s
